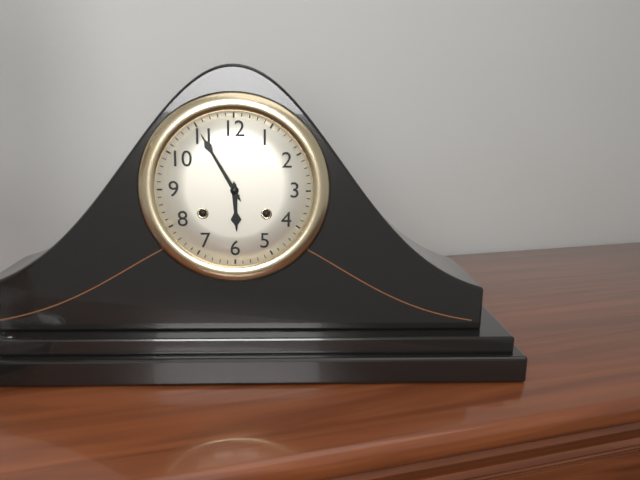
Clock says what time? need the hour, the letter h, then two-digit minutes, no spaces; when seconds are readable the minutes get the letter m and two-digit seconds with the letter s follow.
5h55
